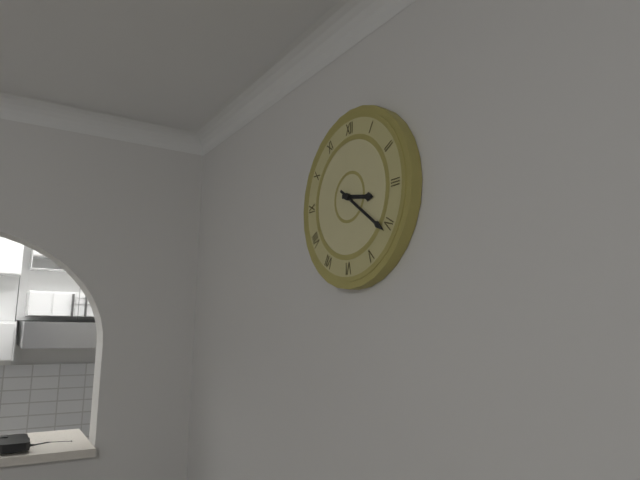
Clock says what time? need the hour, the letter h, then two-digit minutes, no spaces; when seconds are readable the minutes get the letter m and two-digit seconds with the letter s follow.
3h21
